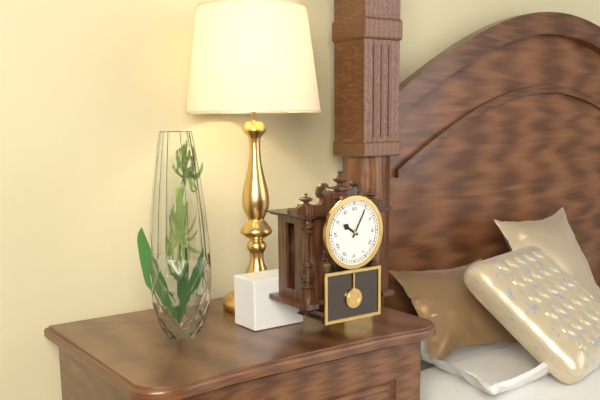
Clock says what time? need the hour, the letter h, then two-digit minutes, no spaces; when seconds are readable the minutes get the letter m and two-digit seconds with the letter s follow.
10h05
